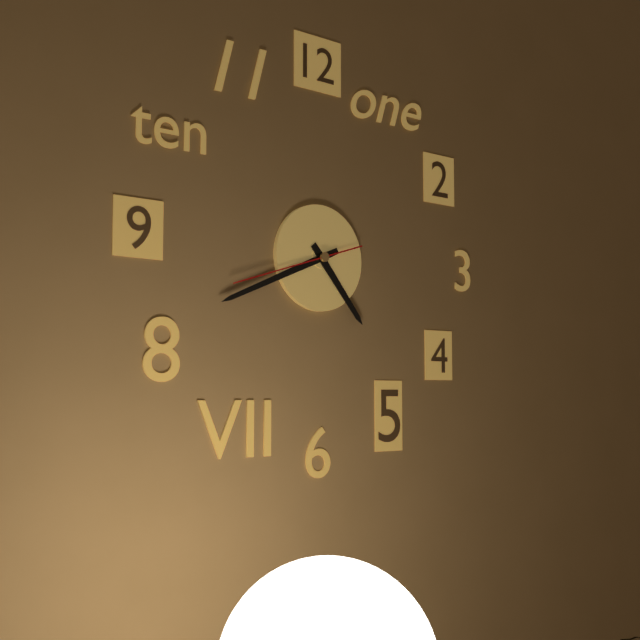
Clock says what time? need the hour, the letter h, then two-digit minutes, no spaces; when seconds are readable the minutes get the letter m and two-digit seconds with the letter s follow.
4h41m42s
